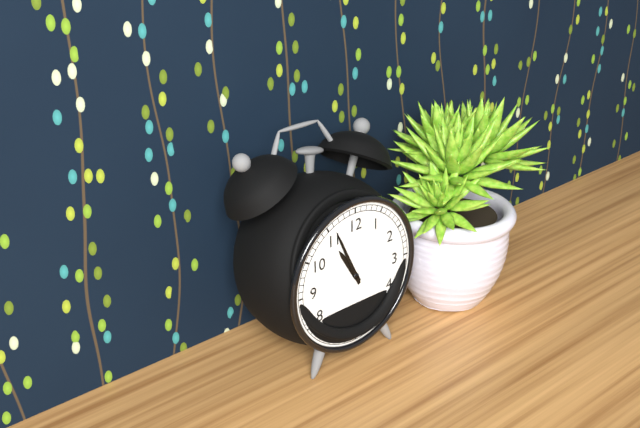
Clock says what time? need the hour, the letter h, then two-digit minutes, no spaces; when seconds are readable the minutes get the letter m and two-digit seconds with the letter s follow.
10h56
